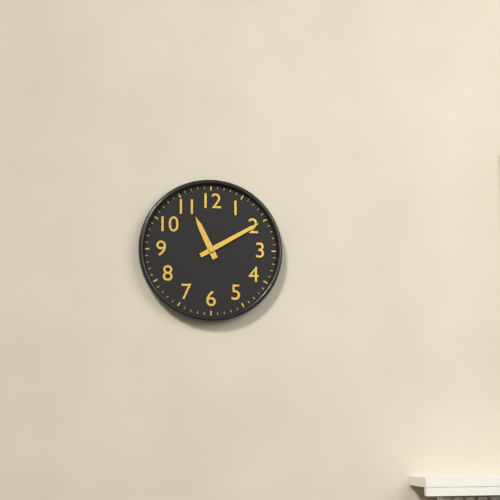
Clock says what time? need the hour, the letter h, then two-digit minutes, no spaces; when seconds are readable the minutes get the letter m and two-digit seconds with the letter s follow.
11h10
